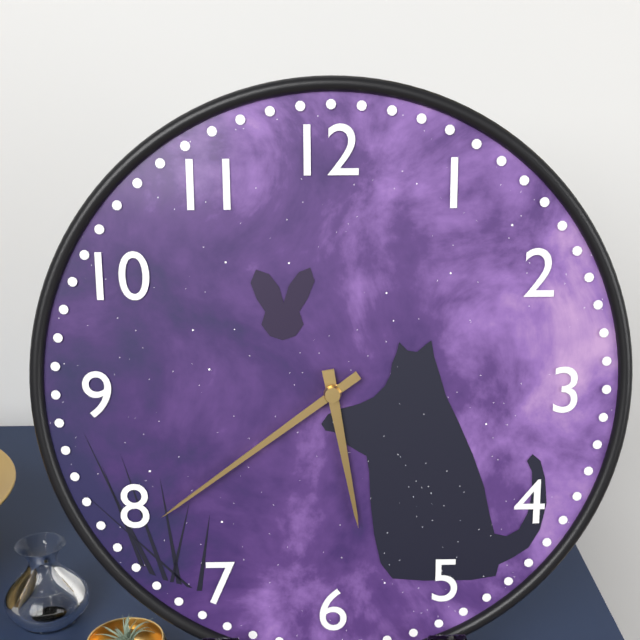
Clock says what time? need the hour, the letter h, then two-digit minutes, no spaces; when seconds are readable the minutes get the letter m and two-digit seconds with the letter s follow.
5h39
